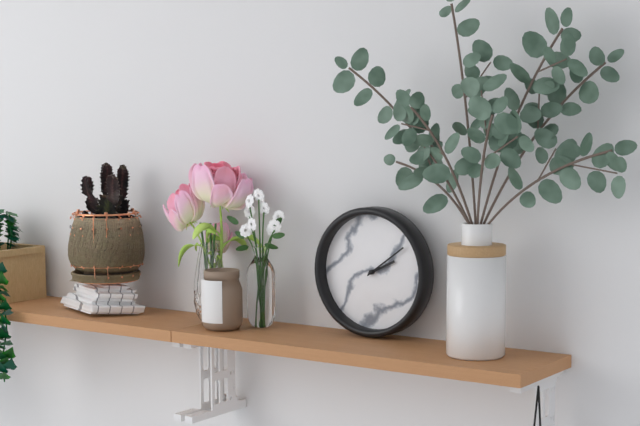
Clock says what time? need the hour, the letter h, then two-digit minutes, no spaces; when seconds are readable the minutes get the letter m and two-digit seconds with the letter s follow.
2h09
